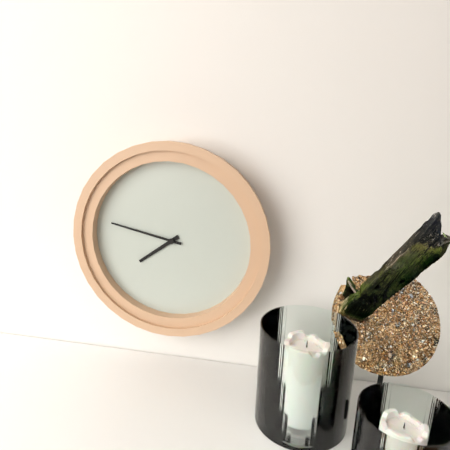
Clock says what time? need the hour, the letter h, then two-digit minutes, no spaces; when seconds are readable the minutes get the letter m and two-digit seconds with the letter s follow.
7h47
